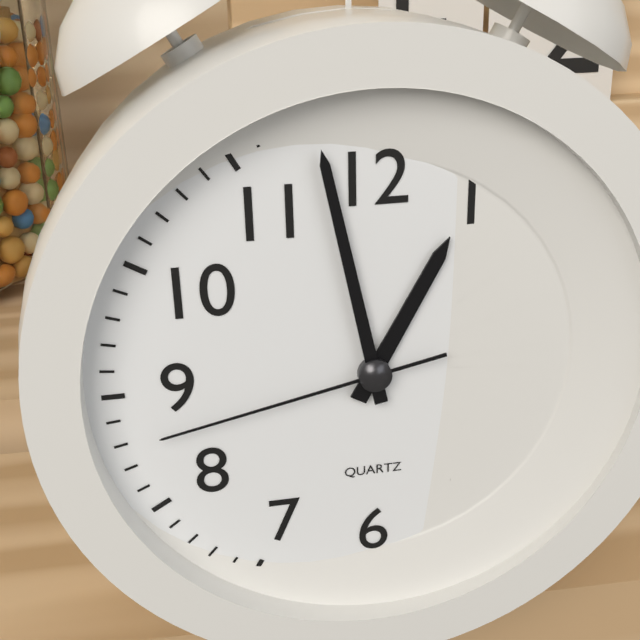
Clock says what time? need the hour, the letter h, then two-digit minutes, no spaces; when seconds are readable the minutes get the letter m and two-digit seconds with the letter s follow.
12h58m43s
